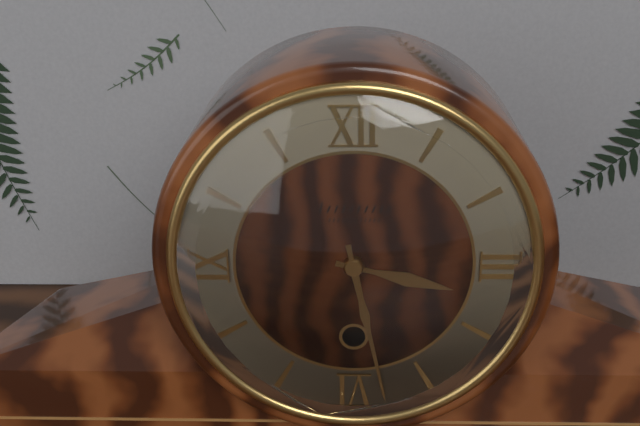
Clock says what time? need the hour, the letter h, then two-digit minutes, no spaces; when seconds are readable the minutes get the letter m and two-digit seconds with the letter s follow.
3h28
